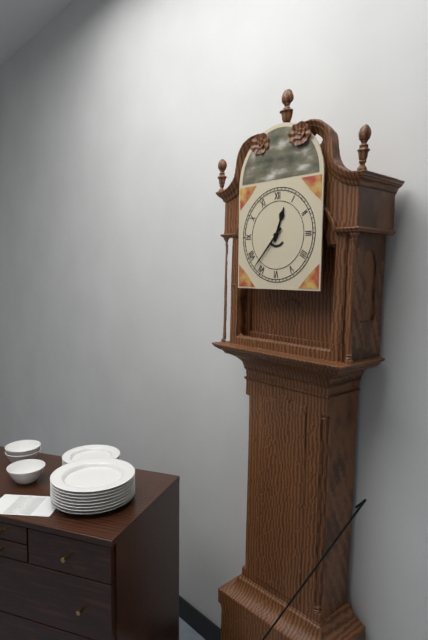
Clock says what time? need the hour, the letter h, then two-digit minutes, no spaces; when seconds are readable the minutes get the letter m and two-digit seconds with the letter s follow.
12h37
